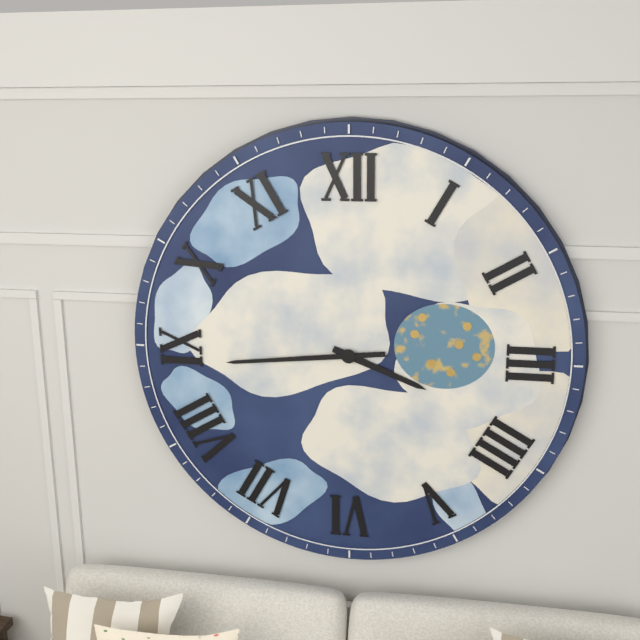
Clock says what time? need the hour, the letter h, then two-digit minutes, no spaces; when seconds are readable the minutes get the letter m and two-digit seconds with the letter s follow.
3h44
